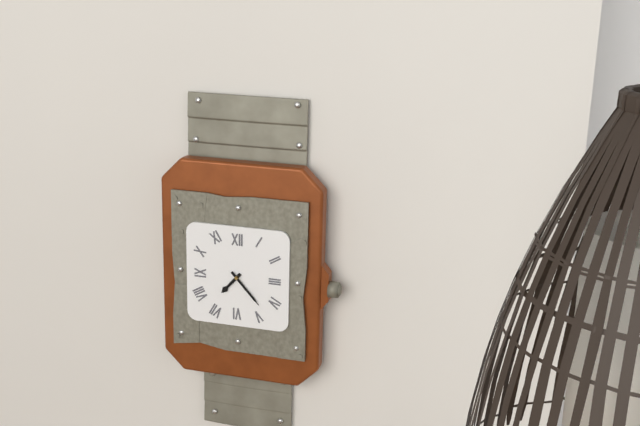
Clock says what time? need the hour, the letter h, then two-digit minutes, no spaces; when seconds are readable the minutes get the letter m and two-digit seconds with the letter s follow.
7h23
